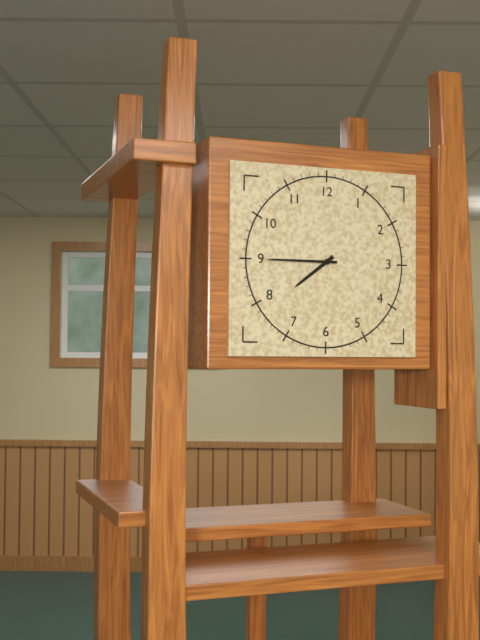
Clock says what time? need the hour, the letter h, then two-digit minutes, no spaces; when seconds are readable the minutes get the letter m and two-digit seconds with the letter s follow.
7h45
